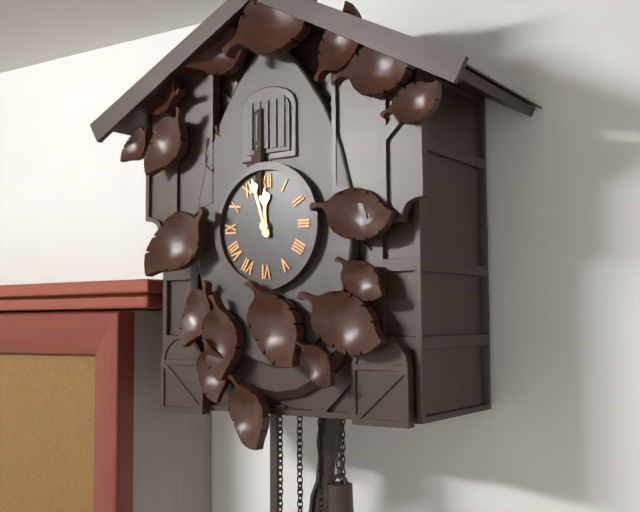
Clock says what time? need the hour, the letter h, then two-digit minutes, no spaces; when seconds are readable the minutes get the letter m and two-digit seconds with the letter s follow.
11h57
